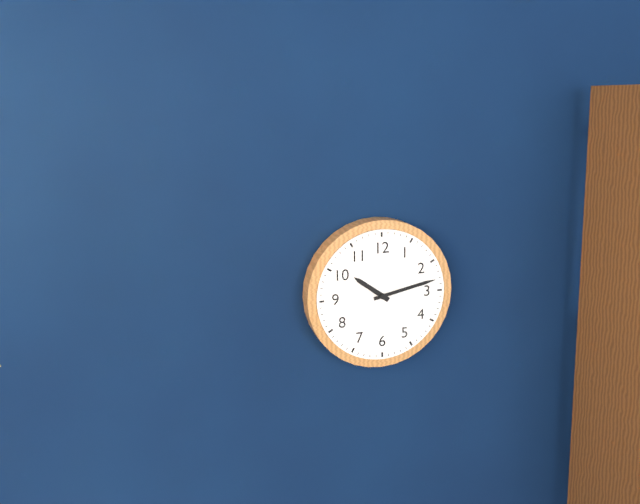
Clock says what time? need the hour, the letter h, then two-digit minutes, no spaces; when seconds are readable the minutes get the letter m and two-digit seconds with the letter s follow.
10h13
